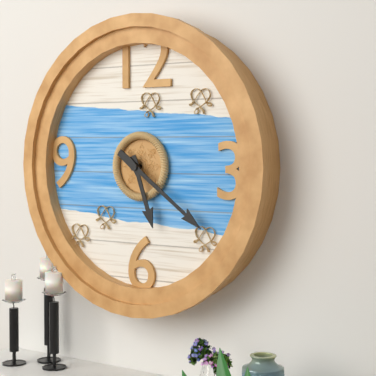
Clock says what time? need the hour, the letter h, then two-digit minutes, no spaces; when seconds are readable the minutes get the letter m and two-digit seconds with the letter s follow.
5h21
